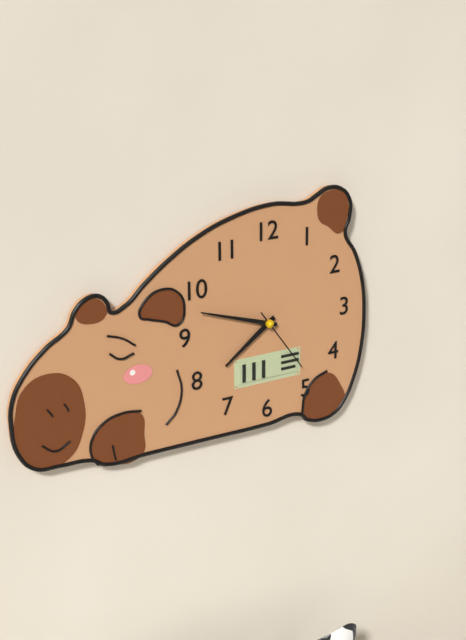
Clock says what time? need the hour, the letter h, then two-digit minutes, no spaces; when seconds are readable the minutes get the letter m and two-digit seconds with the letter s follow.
7h48m24s
